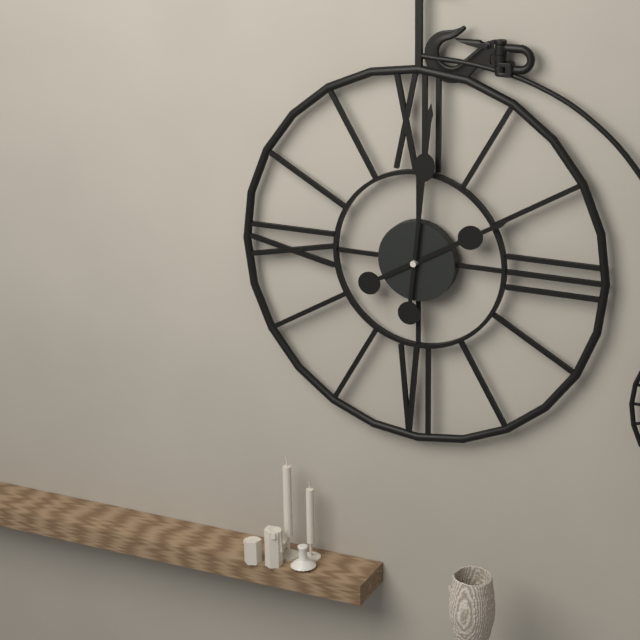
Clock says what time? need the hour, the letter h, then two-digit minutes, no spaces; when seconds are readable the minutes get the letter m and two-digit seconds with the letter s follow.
2h01
